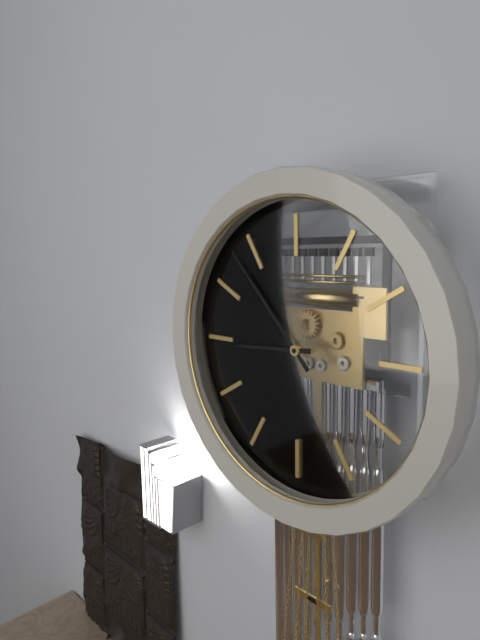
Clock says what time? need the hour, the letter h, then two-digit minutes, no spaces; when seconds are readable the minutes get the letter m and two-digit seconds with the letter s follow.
8h53
